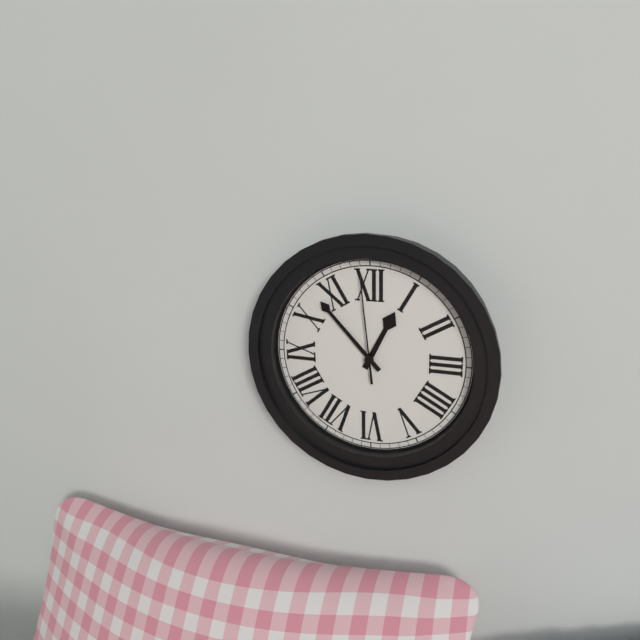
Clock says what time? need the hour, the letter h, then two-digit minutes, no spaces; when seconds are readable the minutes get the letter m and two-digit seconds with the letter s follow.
12h53m59s
